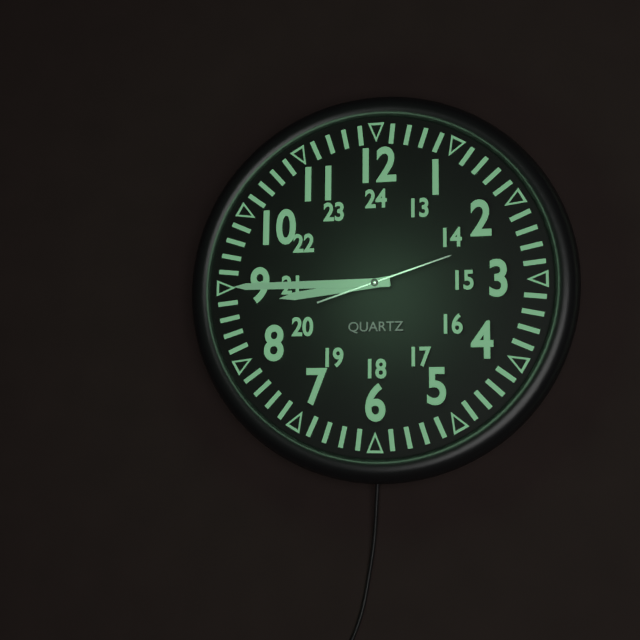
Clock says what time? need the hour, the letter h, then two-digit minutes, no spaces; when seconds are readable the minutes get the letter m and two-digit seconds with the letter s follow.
8h45m12s
